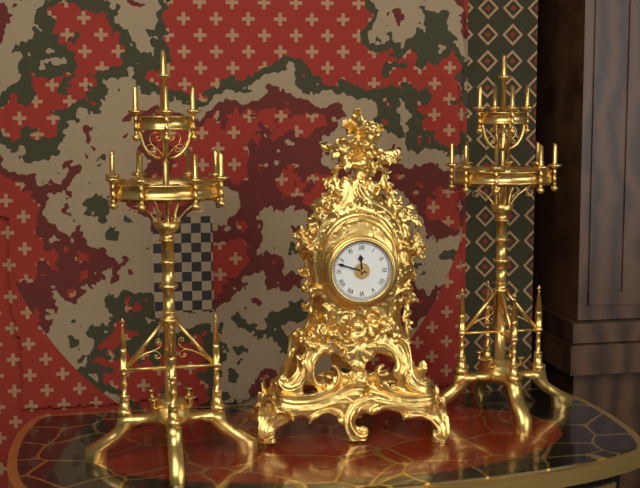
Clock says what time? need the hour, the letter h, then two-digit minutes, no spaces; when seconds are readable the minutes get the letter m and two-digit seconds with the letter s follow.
11h48
